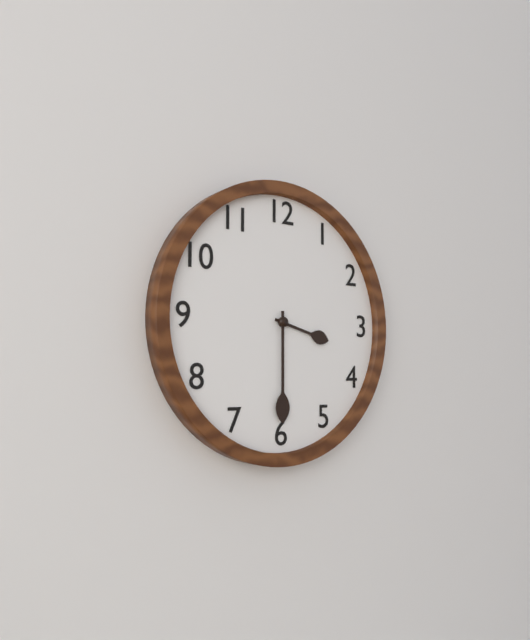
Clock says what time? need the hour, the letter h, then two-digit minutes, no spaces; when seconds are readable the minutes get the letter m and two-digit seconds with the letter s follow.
3h30
